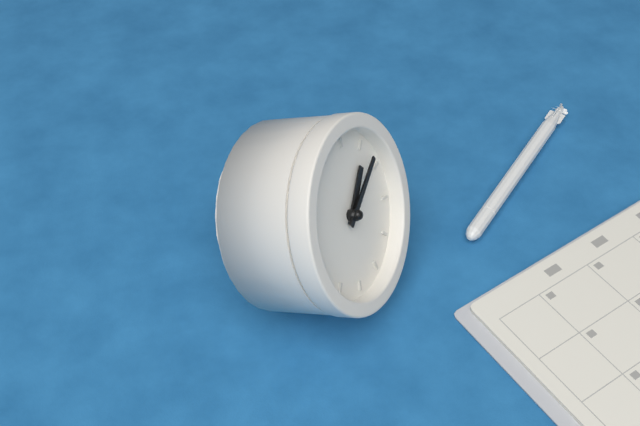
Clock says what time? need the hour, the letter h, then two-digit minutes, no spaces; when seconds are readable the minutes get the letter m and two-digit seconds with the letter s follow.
1h08
